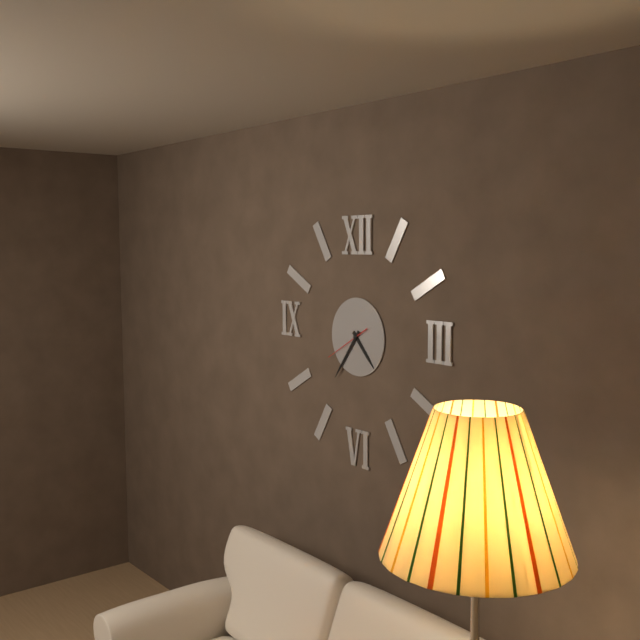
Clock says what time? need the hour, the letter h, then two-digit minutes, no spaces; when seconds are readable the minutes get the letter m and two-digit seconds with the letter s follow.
4h36
